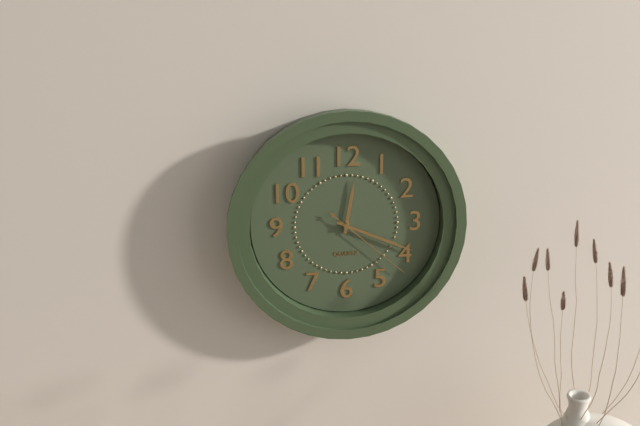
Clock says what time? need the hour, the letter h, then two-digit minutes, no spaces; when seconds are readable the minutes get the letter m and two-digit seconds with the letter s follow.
12h19m22s
